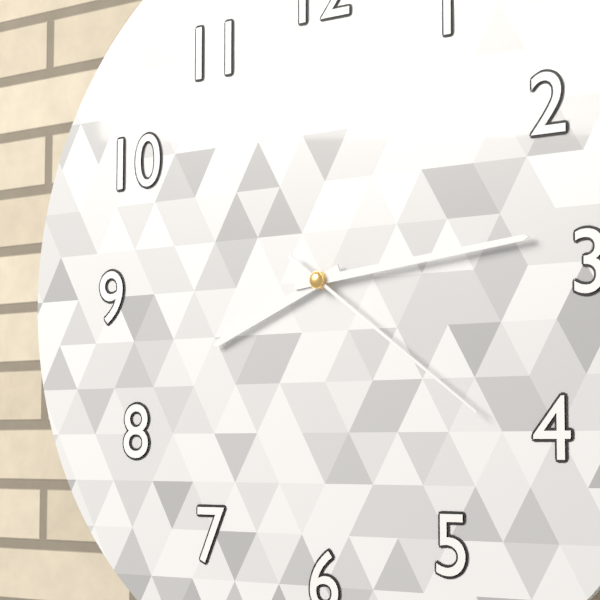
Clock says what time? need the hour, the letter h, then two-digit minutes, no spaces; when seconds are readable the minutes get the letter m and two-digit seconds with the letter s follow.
8h14m21s
